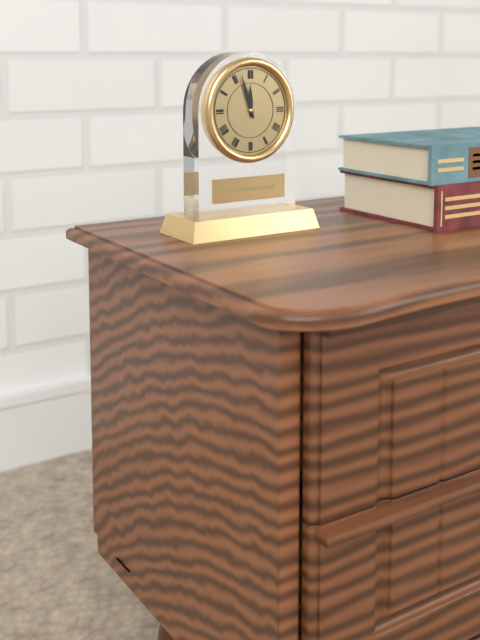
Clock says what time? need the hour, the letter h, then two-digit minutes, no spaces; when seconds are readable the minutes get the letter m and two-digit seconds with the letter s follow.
11h57
